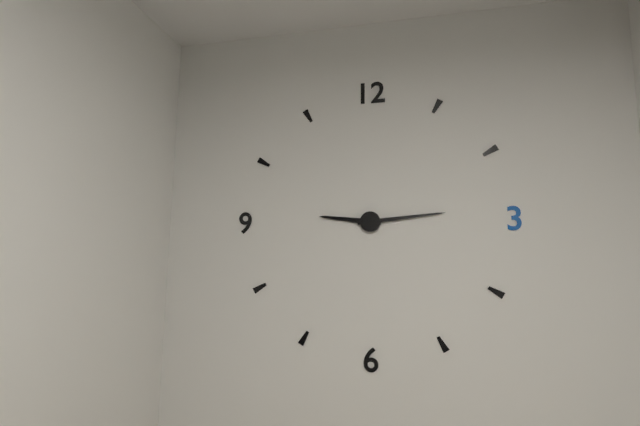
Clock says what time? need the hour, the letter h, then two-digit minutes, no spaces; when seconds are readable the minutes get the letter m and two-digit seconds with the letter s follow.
9h14
